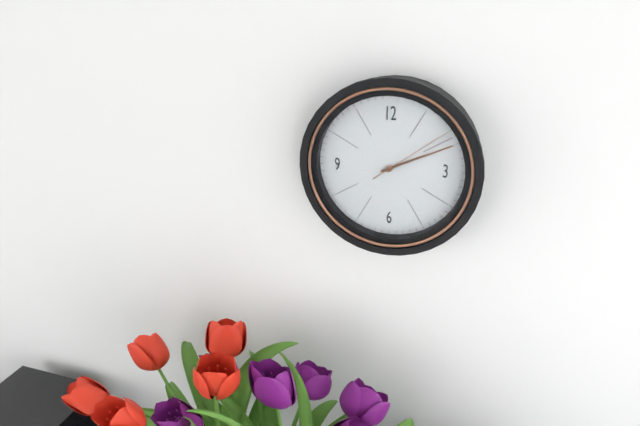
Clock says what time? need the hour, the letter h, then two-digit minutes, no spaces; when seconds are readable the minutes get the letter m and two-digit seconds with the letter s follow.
2h11m09s
